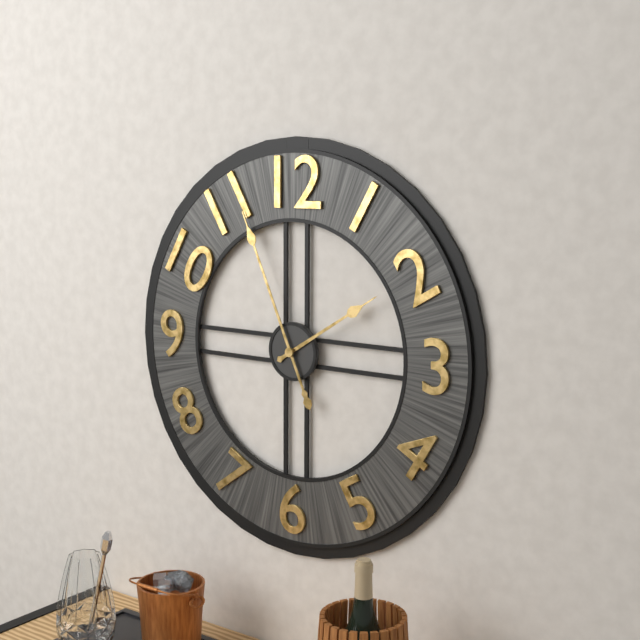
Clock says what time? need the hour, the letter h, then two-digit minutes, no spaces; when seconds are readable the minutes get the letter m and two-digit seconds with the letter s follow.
1h56
